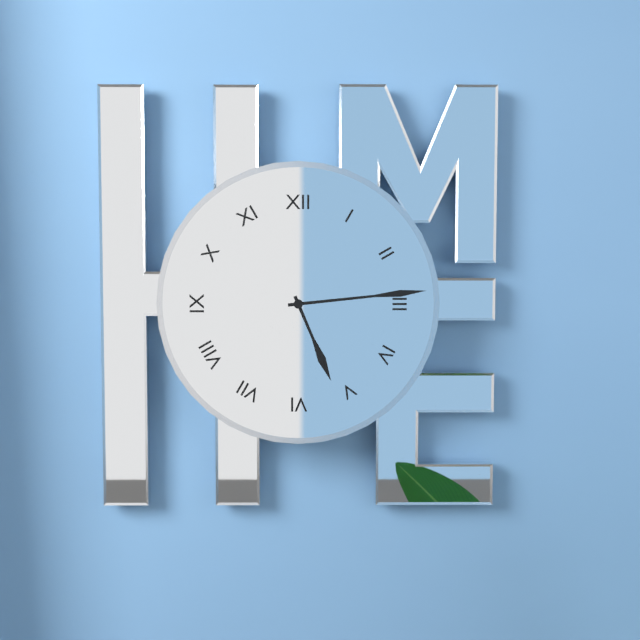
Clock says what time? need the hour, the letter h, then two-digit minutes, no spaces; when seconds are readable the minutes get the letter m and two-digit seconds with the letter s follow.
5h14
